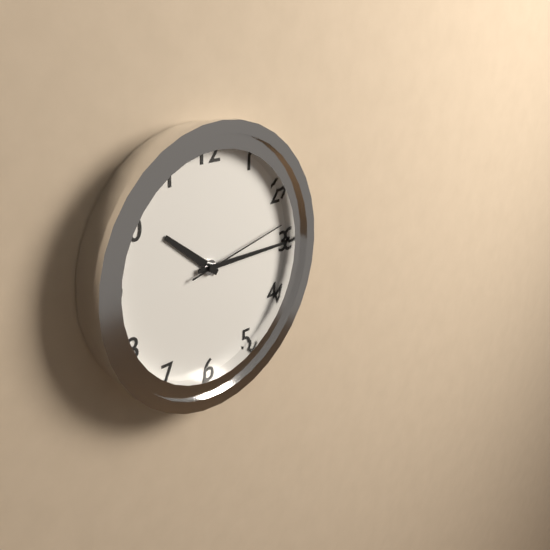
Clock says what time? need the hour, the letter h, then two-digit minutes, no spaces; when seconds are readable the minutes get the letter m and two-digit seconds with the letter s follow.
10h15m13s
